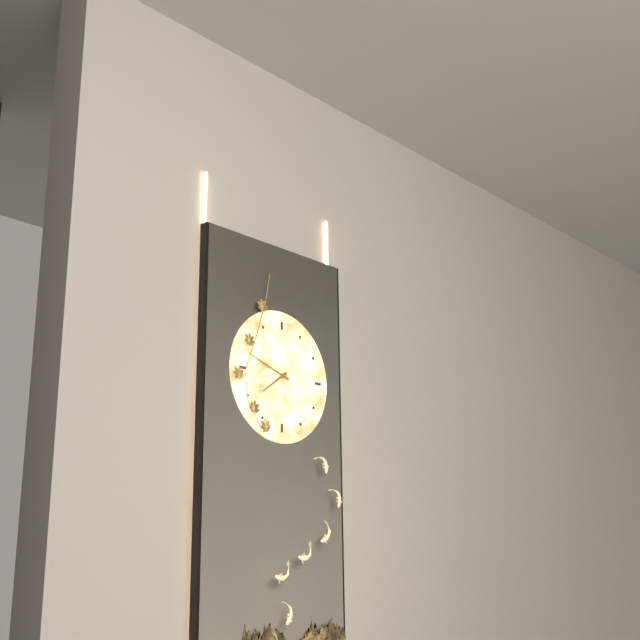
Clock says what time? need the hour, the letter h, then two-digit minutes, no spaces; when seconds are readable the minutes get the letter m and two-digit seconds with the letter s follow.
7h48
